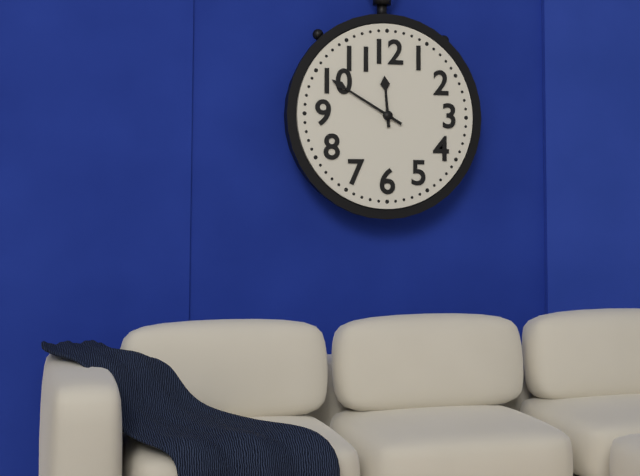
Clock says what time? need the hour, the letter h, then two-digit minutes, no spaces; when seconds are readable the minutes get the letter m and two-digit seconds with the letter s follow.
11h50
